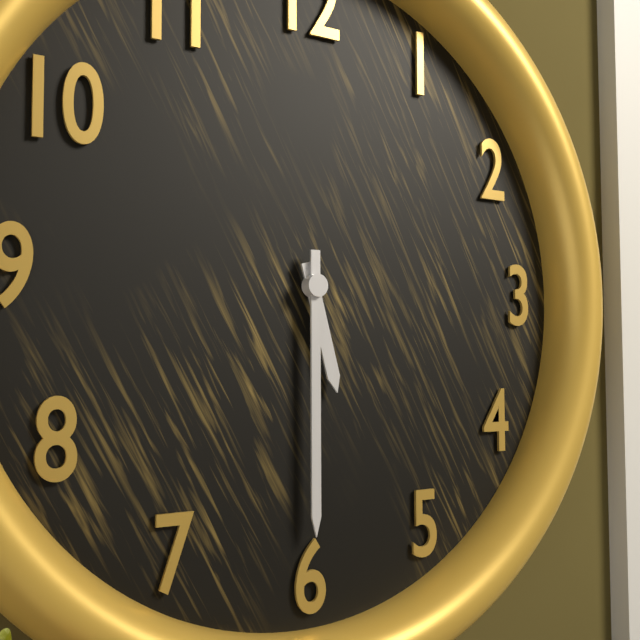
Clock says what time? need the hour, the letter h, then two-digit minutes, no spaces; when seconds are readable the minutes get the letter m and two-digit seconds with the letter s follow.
5h30
